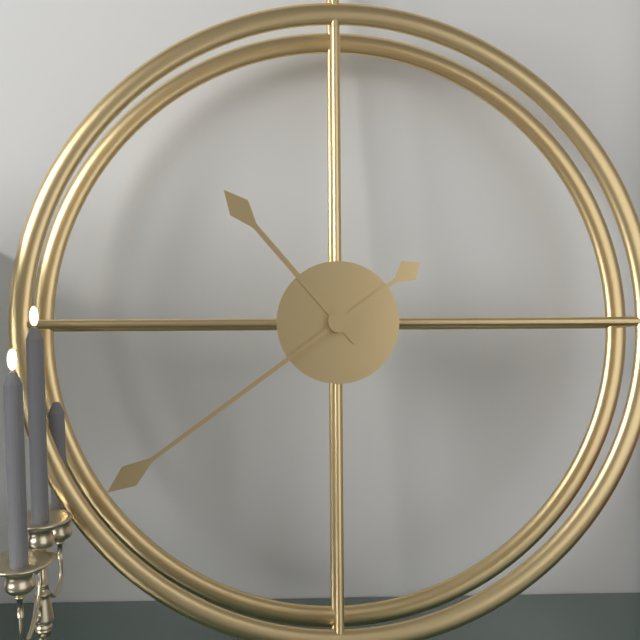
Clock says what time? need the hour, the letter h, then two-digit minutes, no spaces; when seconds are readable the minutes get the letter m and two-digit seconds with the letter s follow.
10h39
